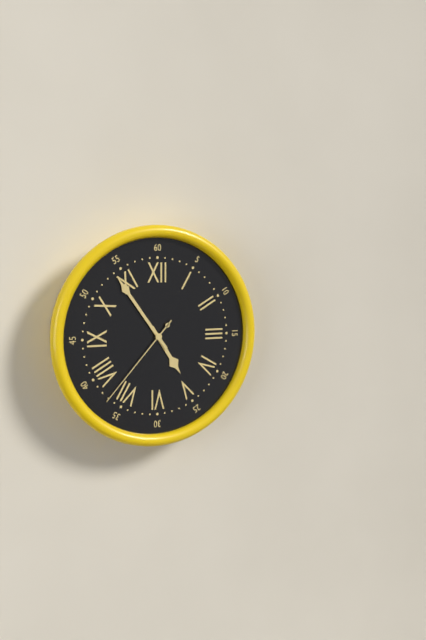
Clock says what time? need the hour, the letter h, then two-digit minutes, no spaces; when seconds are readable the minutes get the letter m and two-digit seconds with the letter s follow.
4h54m37s
